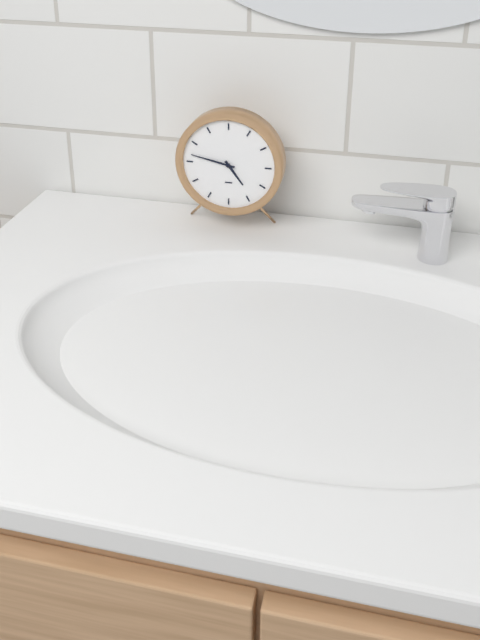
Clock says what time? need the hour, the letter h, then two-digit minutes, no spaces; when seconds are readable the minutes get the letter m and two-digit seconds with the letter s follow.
4h47
